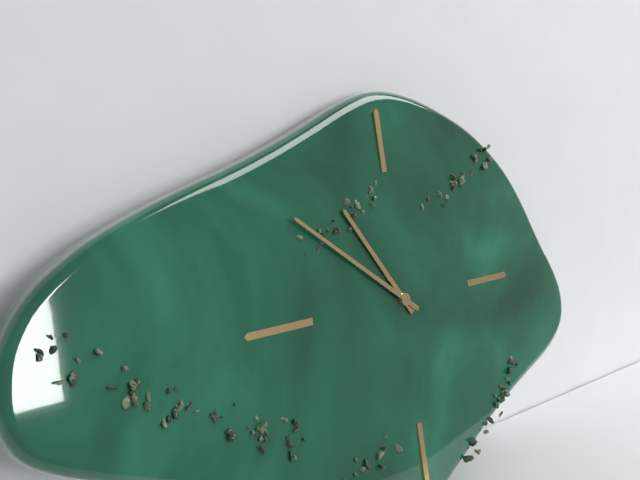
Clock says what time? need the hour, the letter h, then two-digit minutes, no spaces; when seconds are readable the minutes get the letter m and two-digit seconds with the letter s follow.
10h51
